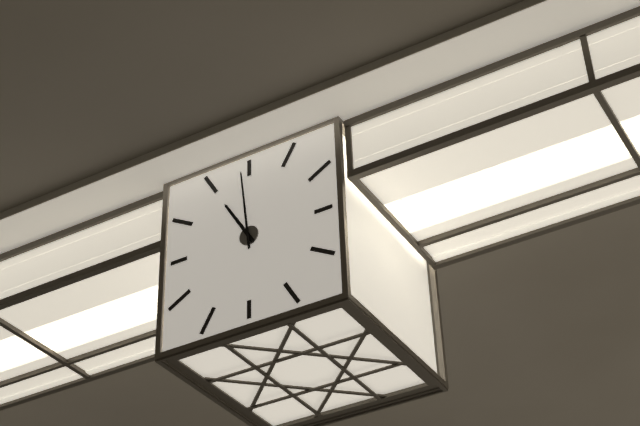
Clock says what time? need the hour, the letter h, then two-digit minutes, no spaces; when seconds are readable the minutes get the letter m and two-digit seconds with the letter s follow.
10h59
